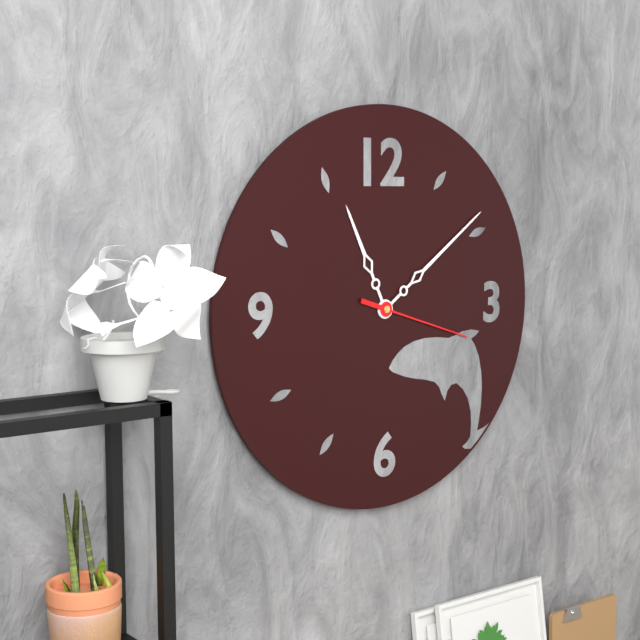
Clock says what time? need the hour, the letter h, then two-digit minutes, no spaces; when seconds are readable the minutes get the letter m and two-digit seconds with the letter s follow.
11h09m18s
